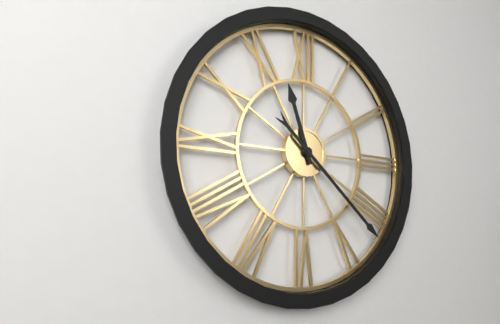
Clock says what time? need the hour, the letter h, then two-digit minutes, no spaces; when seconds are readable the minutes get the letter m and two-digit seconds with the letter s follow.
11h22
